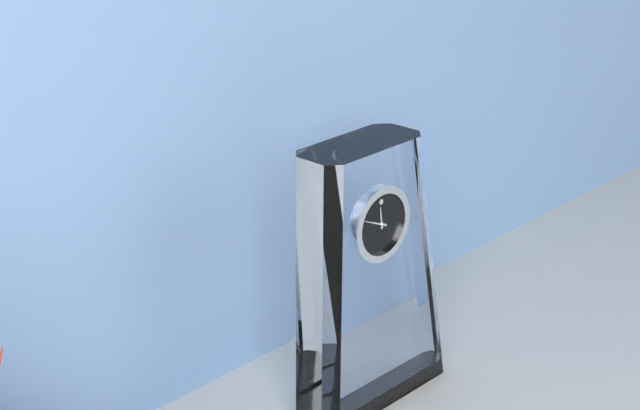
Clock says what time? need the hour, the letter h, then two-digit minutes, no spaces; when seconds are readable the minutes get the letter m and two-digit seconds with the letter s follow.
11h49
